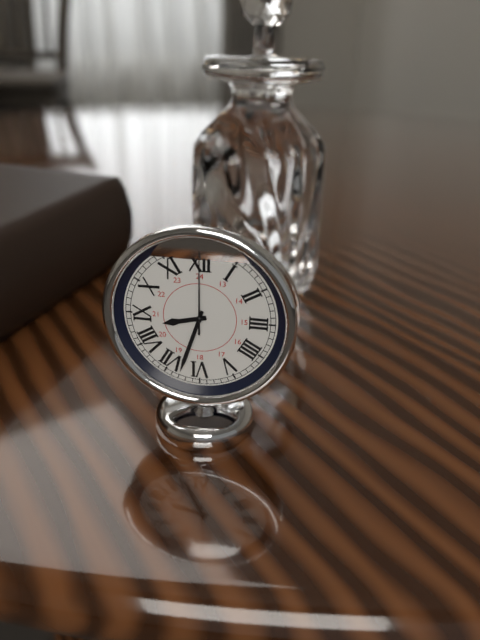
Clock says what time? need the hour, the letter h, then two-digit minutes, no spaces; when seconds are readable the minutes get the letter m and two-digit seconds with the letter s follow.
8h33m00s
